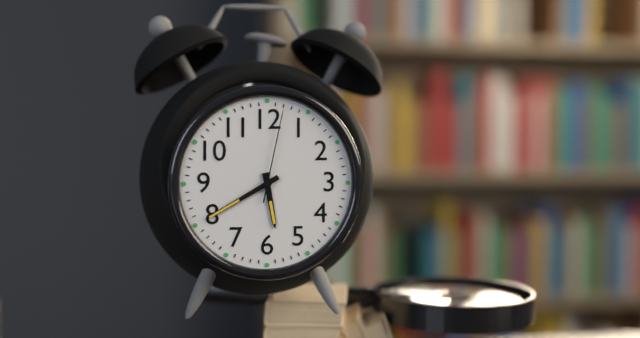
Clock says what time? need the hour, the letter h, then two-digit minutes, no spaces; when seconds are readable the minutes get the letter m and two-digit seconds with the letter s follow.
5h40m02s
